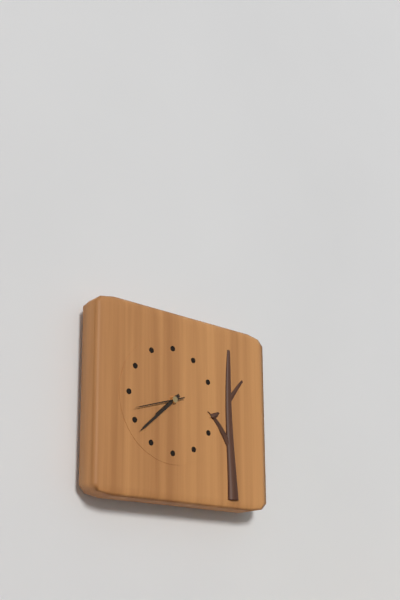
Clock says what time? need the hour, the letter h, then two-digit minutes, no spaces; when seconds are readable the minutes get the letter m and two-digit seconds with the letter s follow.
7h38m42s
